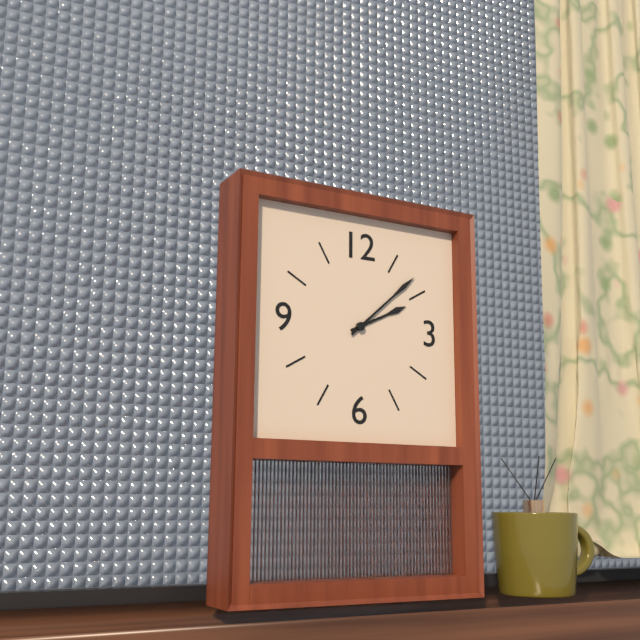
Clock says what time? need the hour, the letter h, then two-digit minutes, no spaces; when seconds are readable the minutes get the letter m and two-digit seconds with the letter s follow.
2h08
